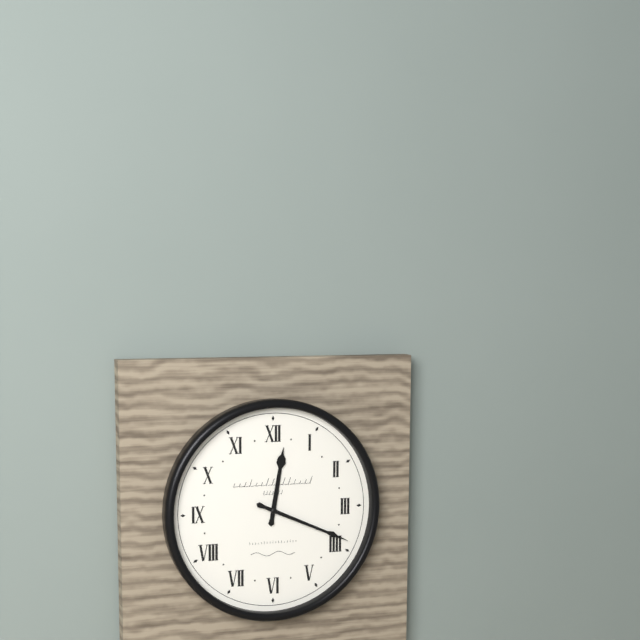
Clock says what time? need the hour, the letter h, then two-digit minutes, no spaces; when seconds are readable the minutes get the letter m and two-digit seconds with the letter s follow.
12h19
